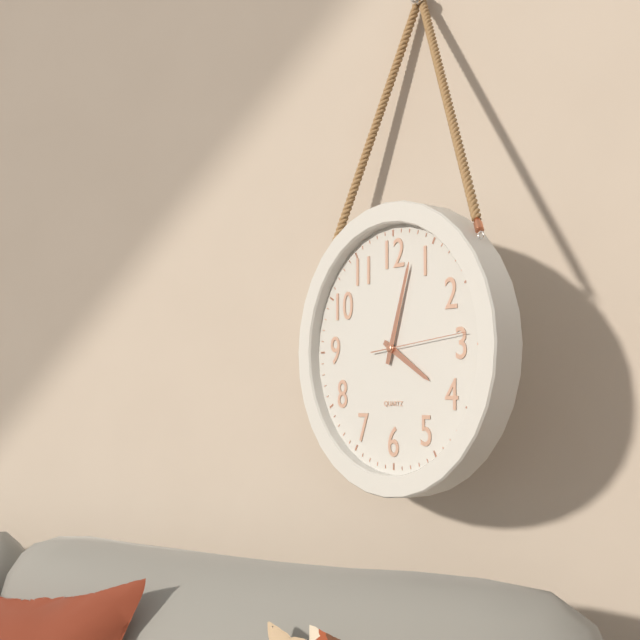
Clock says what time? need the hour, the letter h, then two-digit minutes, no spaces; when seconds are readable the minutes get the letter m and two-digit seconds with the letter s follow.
4h03m14s
